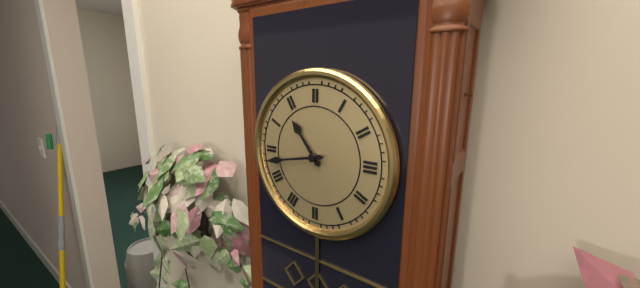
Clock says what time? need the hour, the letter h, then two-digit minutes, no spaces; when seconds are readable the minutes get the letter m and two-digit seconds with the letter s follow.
10h43
